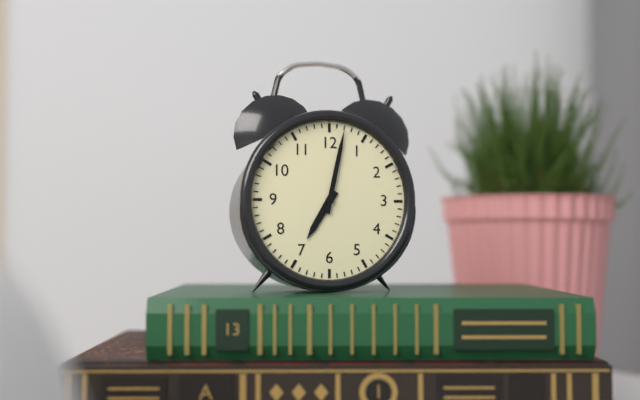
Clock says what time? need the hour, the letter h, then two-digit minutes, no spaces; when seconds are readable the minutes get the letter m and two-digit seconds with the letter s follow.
7h02
